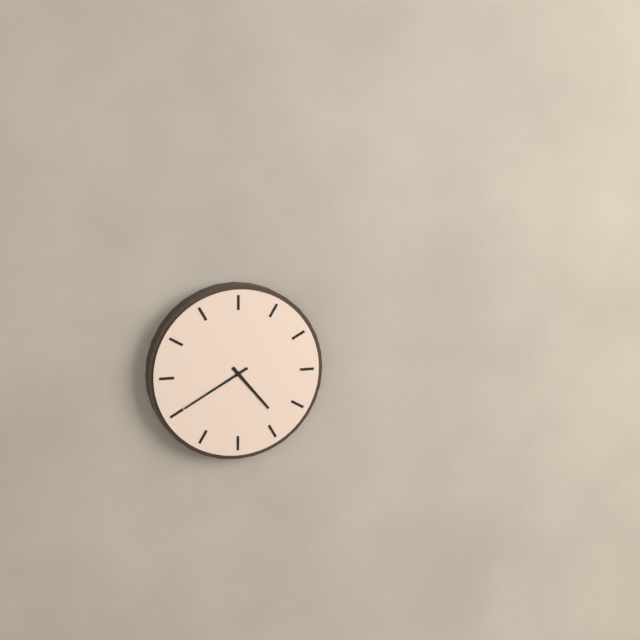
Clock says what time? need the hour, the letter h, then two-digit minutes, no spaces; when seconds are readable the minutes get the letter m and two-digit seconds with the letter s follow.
4h40
